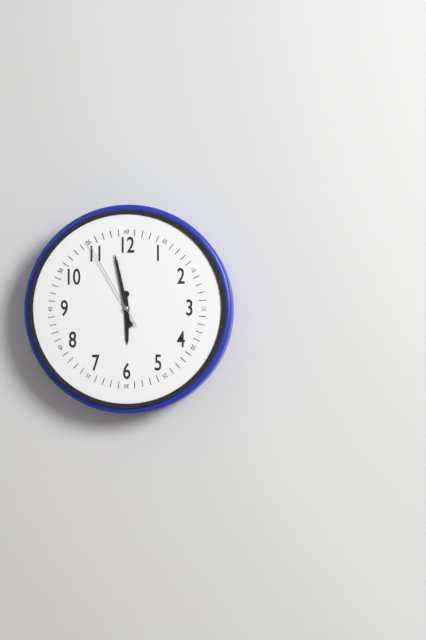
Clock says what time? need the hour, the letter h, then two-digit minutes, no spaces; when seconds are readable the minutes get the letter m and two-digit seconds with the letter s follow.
5h58m55s
